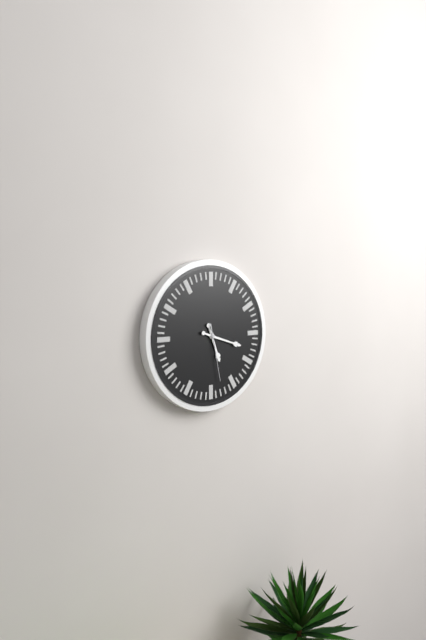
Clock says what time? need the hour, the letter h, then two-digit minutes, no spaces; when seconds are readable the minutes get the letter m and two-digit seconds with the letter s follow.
5h18m28s
